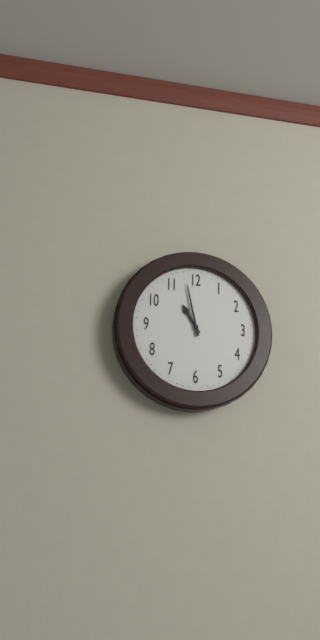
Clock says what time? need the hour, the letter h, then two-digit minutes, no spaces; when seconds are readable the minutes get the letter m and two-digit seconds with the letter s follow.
10h58
